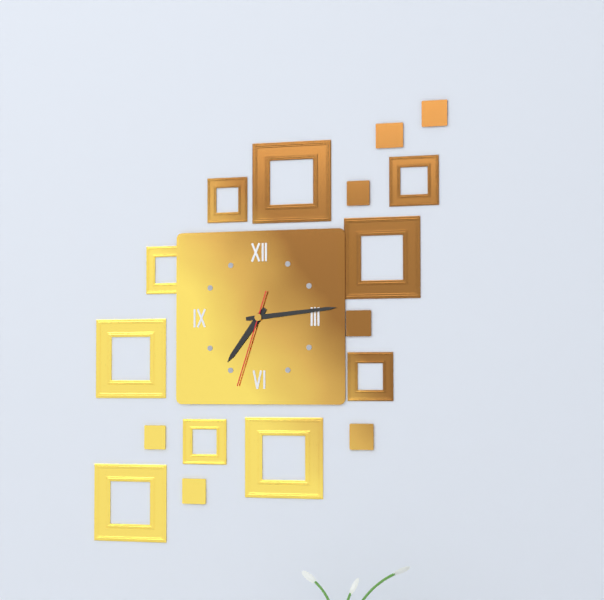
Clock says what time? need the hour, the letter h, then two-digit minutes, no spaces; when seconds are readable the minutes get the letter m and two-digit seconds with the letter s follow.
7h14m33s
